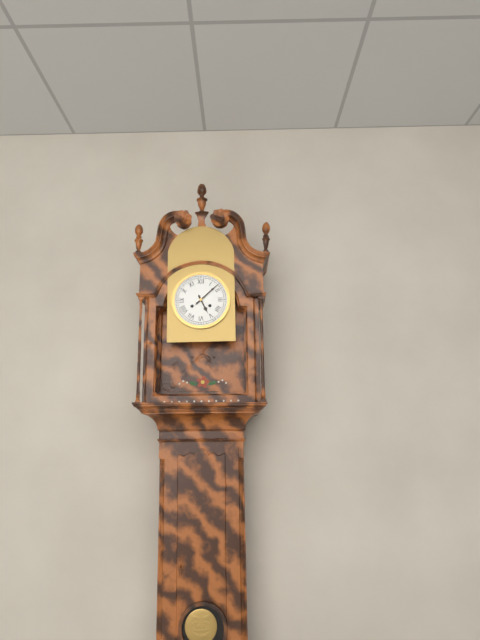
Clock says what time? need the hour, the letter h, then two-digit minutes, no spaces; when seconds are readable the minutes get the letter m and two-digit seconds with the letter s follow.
5h08
